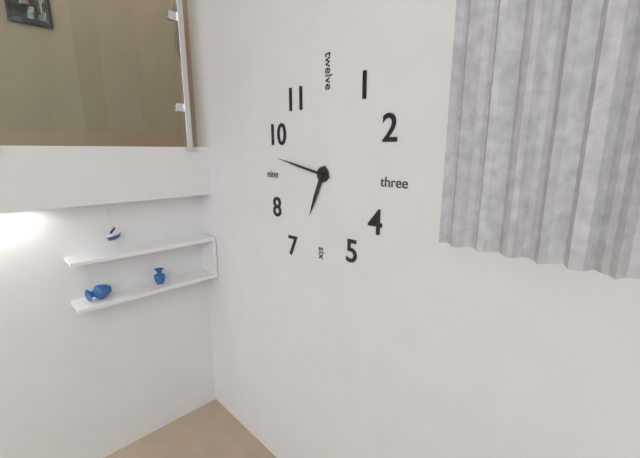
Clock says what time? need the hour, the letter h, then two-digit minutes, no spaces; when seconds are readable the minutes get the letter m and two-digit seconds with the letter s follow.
6h47
